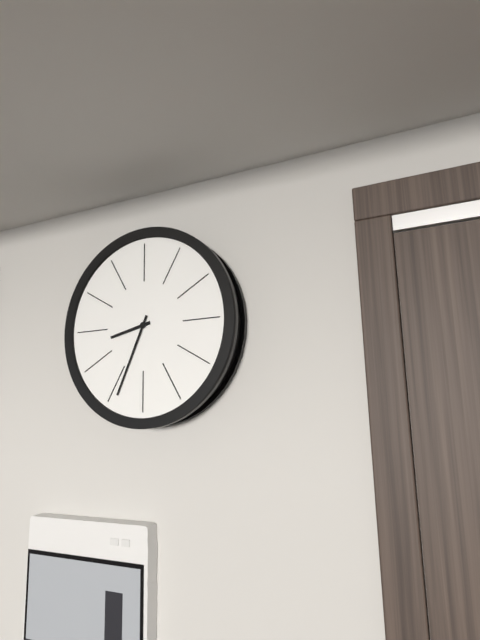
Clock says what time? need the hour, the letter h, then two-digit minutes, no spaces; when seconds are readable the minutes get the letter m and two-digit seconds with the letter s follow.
8h34
